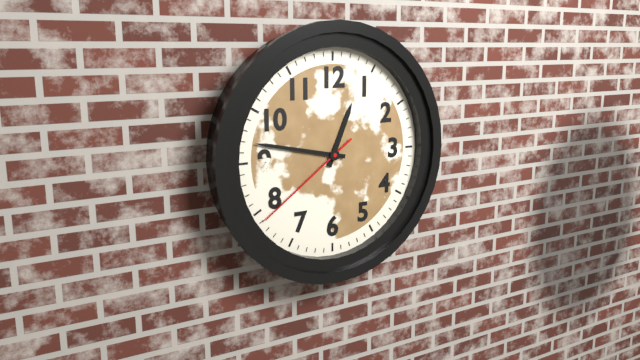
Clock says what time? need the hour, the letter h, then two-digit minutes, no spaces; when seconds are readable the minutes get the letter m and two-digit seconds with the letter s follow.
12h47m39s
